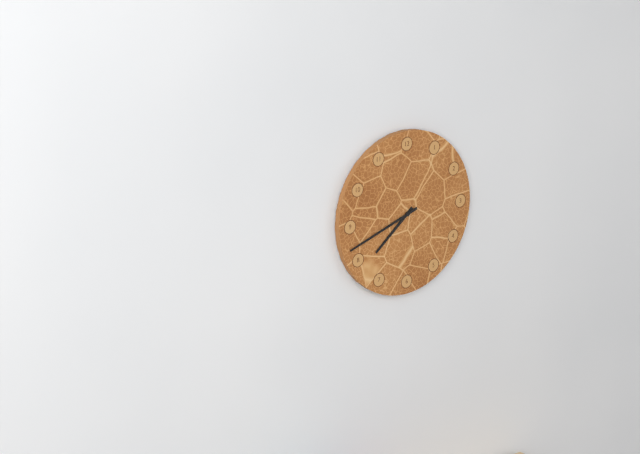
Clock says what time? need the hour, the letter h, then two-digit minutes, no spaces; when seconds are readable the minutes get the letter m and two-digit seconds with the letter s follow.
7h42
